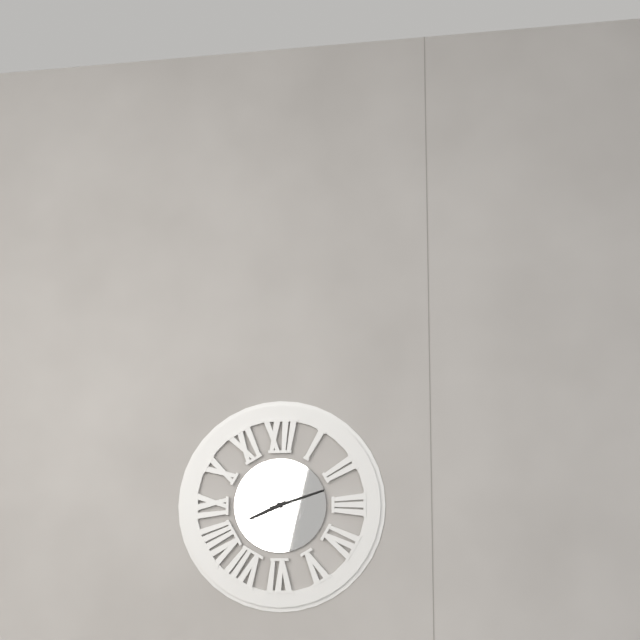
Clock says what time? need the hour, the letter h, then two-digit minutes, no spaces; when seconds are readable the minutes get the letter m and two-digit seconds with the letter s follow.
8h12
